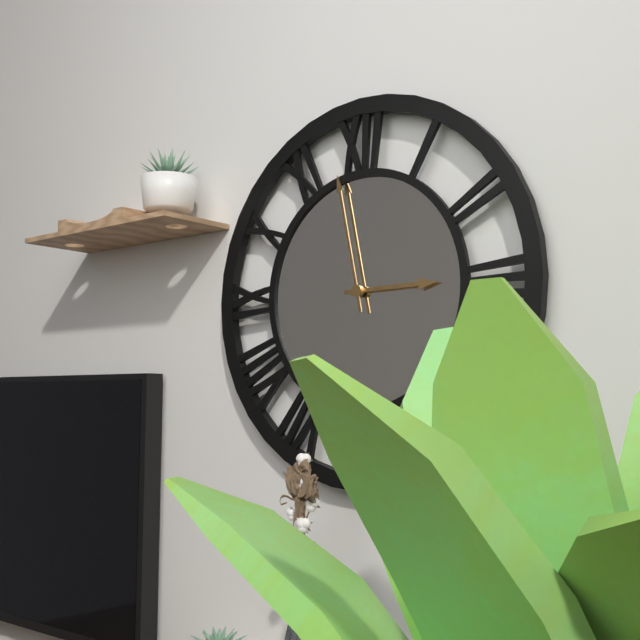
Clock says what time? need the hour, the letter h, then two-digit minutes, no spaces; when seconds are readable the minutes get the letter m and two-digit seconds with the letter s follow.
2h58
